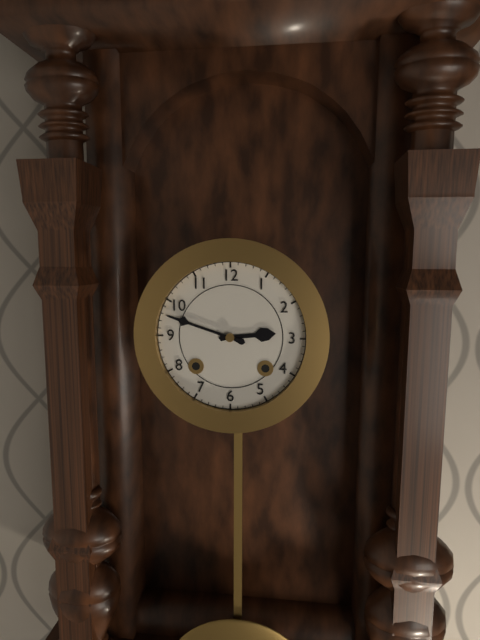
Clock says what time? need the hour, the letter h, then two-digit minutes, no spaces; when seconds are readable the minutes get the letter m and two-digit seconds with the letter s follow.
2h48
